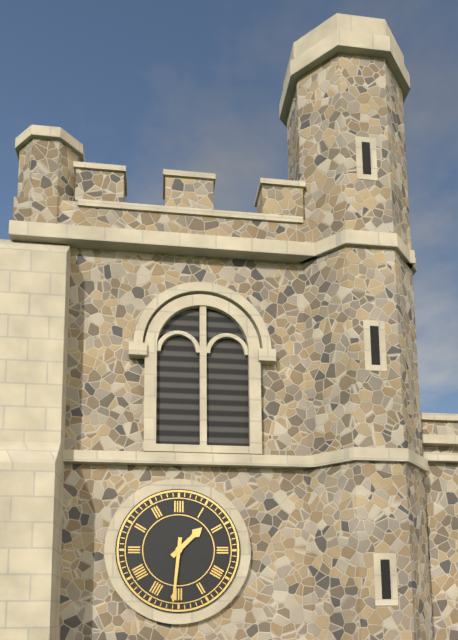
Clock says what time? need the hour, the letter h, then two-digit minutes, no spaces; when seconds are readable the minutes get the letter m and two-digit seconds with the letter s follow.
1h31
